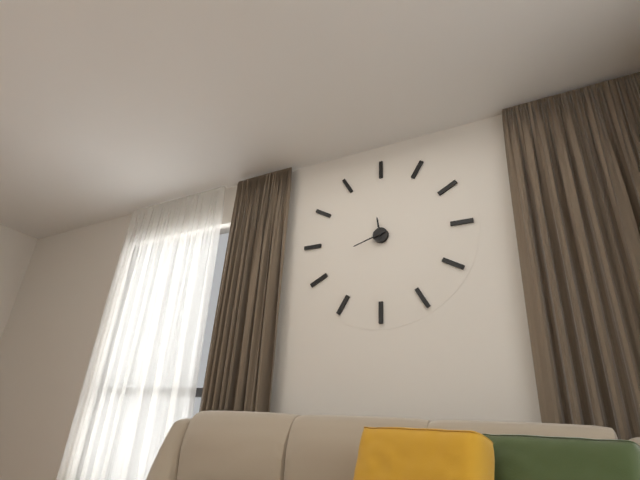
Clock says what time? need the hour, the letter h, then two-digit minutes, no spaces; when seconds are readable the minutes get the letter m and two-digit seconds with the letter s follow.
11h42
